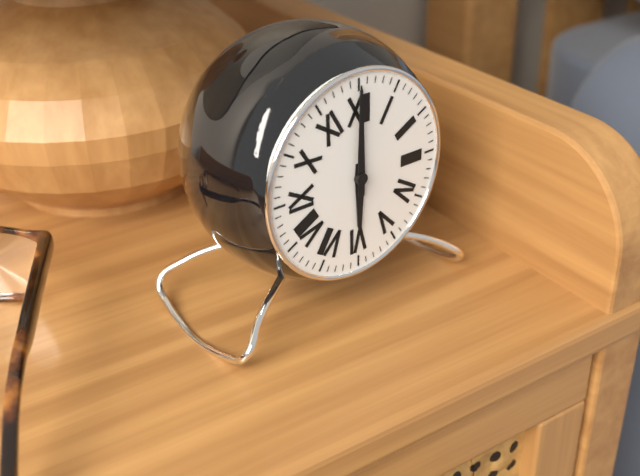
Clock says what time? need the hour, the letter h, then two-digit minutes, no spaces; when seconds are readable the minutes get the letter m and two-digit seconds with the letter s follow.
6h00
